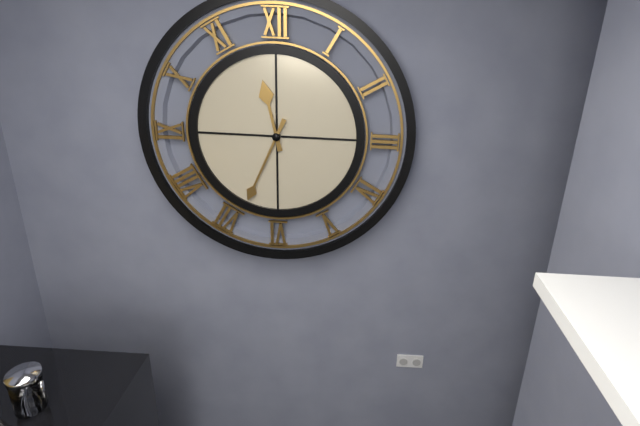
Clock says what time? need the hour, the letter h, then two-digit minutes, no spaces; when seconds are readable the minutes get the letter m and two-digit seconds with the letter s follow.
11h34
